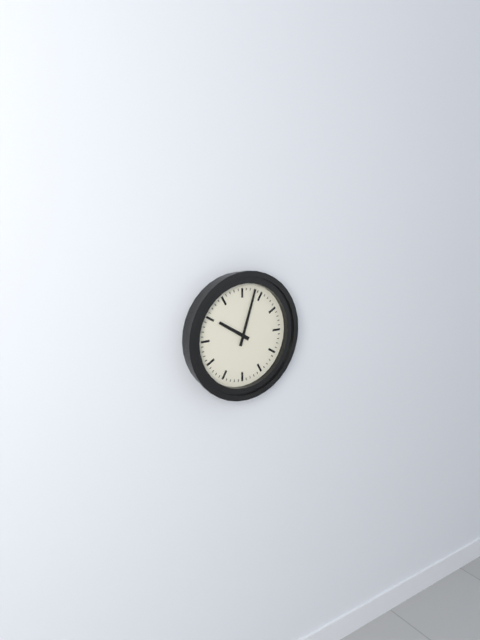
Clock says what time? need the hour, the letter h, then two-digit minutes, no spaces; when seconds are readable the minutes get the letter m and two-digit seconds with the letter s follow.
10h03
